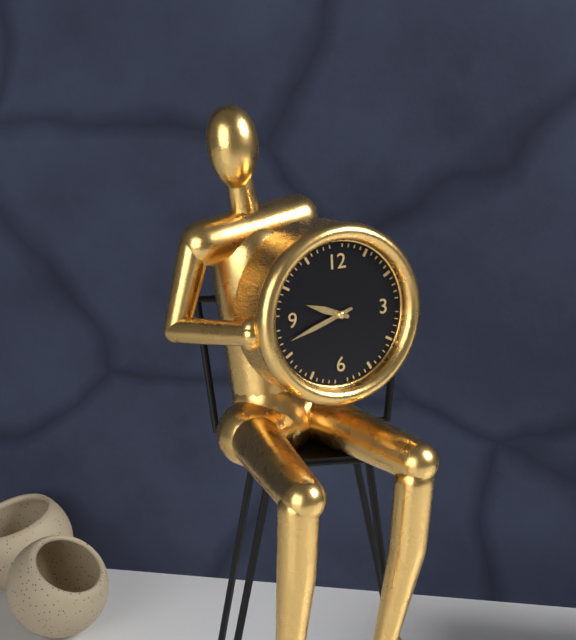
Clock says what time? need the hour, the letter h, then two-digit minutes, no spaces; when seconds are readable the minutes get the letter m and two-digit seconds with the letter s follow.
9h42
